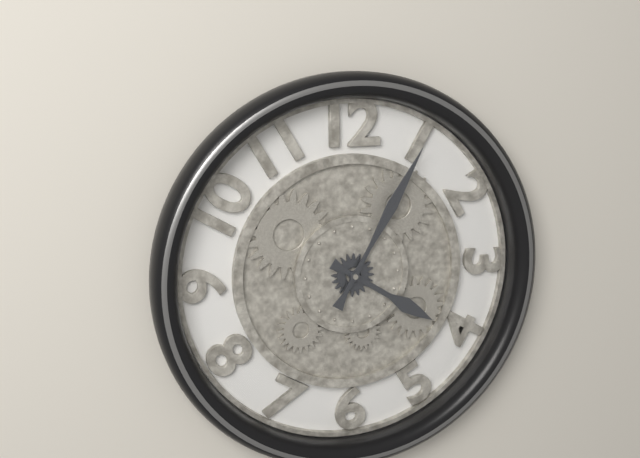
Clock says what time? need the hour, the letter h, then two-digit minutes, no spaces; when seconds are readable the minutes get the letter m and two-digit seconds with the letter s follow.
4h05
